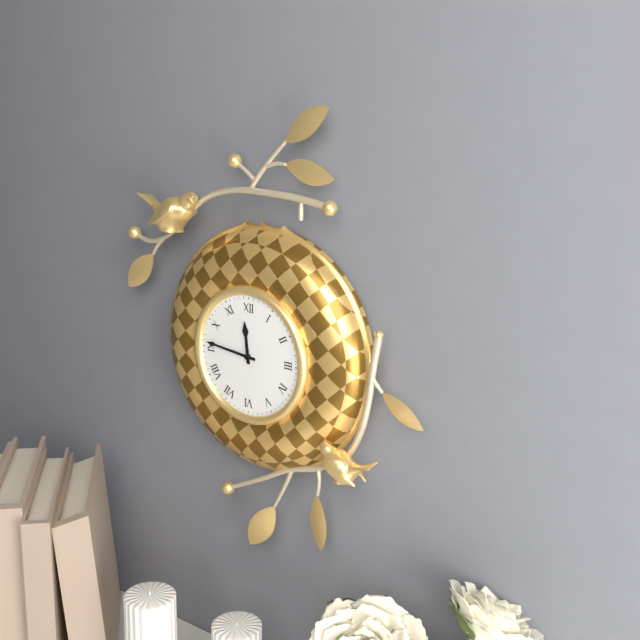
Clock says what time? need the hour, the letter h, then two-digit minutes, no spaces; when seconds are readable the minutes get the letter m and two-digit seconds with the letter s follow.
11h46
